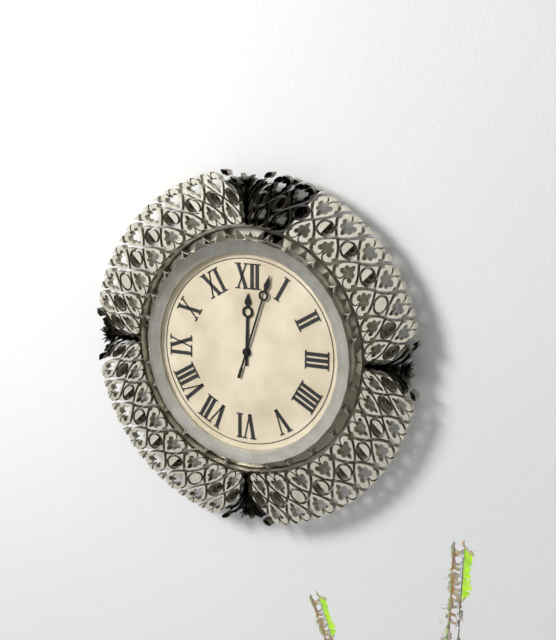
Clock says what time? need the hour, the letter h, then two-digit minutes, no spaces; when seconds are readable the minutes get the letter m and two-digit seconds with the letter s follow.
12h03
